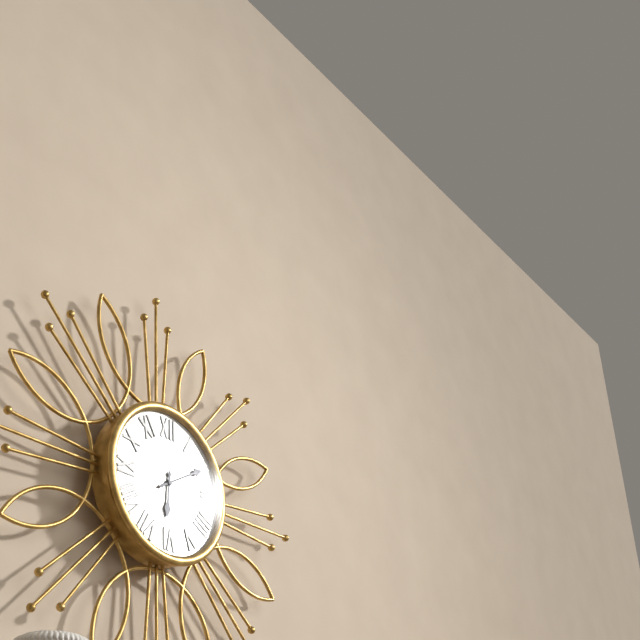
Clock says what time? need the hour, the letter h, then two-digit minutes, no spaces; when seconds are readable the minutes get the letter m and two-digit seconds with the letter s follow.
6h10
